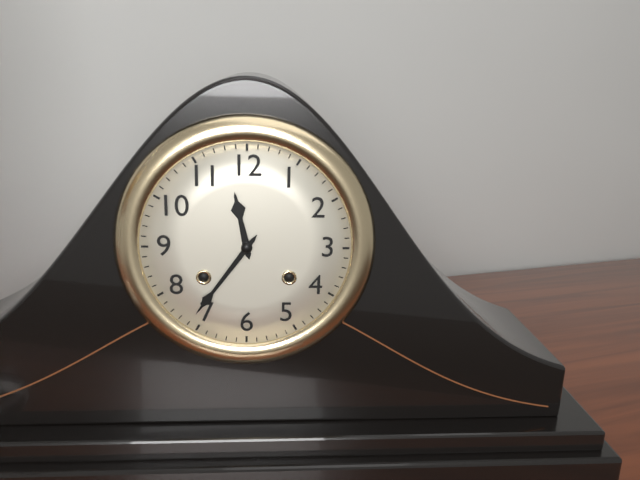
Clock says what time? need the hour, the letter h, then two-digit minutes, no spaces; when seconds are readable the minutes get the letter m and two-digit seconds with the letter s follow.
11h36
